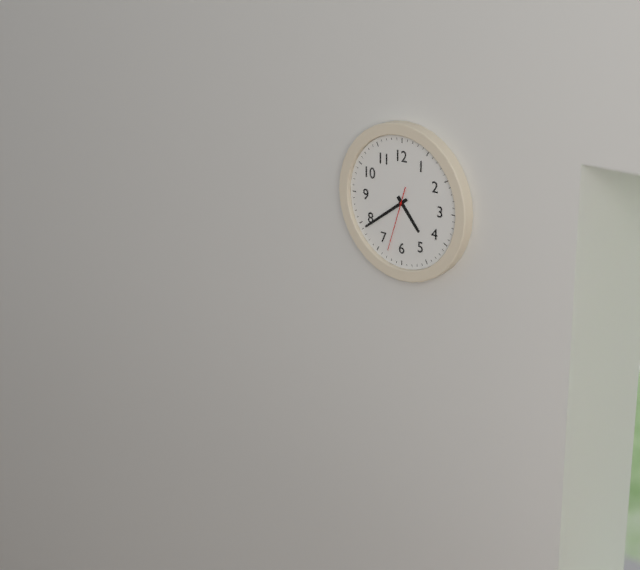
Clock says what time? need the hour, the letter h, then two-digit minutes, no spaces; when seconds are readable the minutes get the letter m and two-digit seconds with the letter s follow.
4h39m33s
